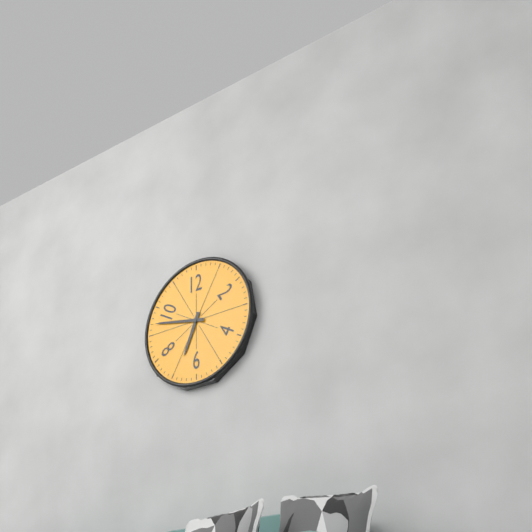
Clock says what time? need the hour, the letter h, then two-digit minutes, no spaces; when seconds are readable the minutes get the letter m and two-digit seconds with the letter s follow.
6h47
